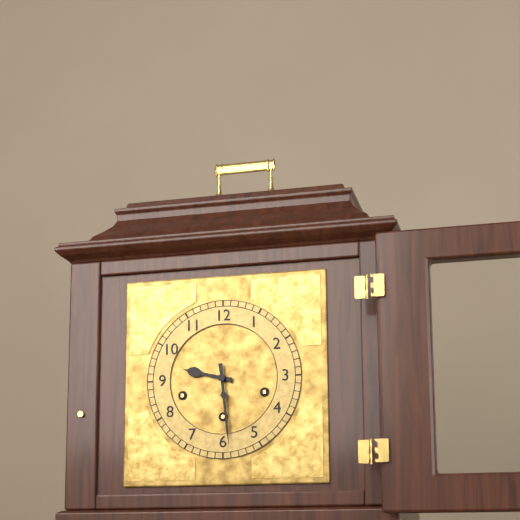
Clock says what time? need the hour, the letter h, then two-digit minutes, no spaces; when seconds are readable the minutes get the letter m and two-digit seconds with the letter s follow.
9h29
